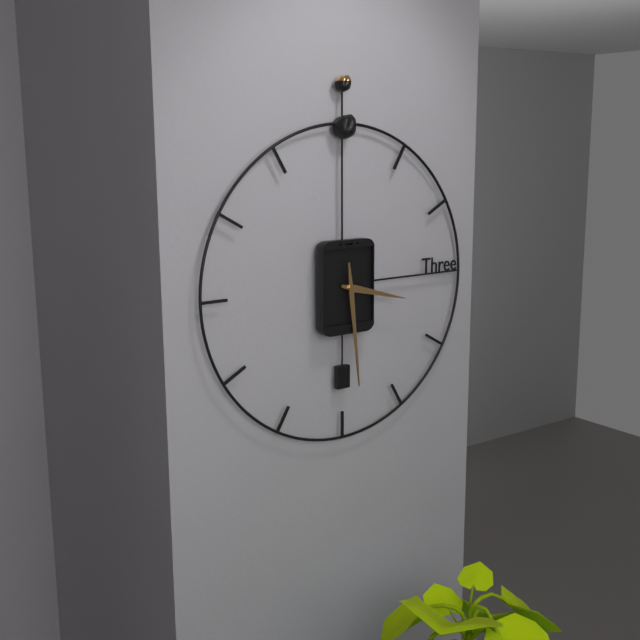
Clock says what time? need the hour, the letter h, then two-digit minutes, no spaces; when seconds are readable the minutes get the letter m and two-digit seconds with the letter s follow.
3h29
